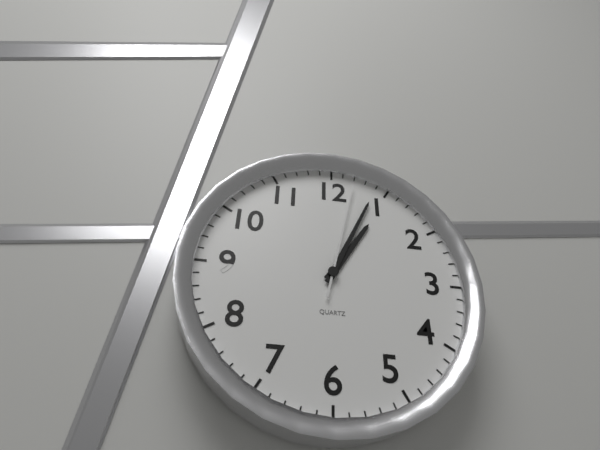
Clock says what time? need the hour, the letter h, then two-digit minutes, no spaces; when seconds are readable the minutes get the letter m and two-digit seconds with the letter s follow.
1h04m02s
